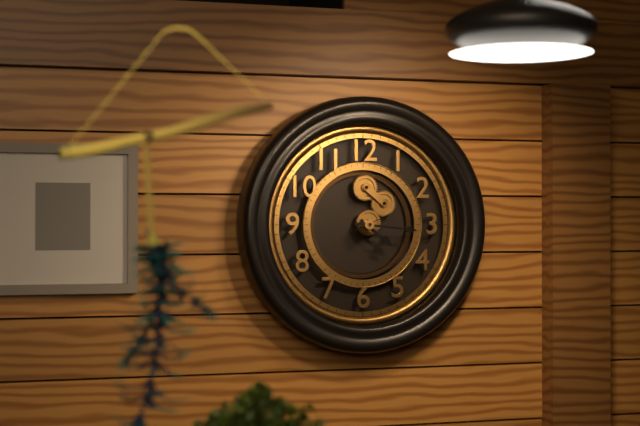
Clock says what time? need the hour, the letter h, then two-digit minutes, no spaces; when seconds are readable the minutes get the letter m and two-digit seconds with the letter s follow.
4h16m11s
